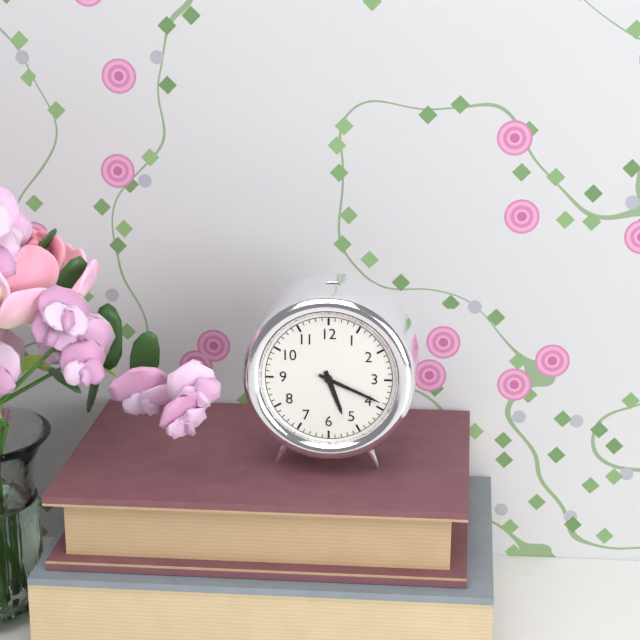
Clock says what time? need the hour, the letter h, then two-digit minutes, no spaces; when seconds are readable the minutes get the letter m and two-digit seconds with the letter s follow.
5h19
